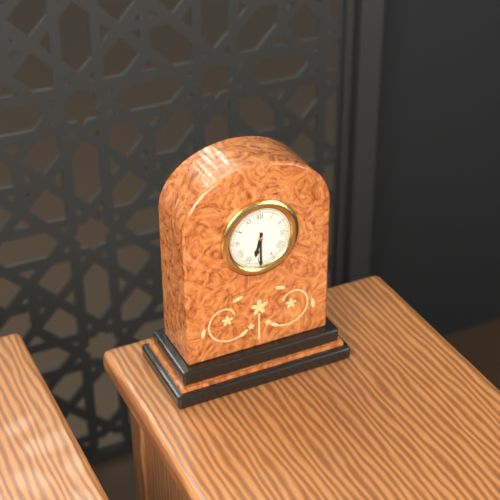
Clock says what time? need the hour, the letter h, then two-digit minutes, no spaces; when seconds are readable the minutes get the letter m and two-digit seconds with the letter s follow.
6h30
